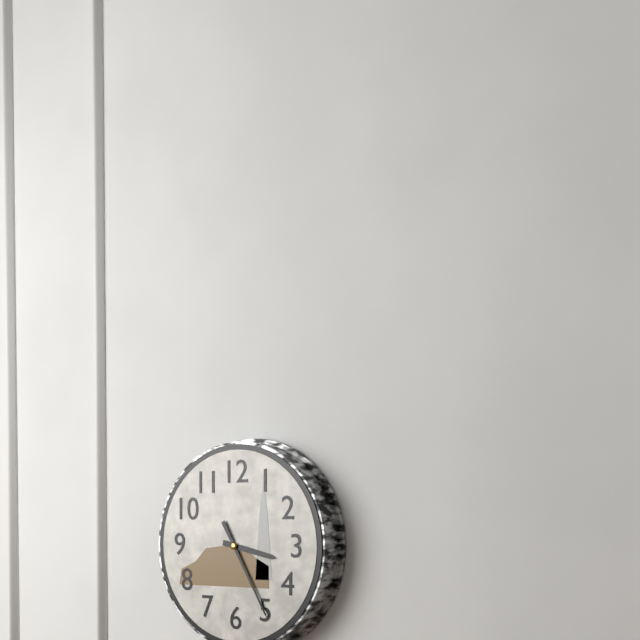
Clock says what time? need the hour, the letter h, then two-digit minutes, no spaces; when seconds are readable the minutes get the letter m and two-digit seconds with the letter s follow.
3h25
